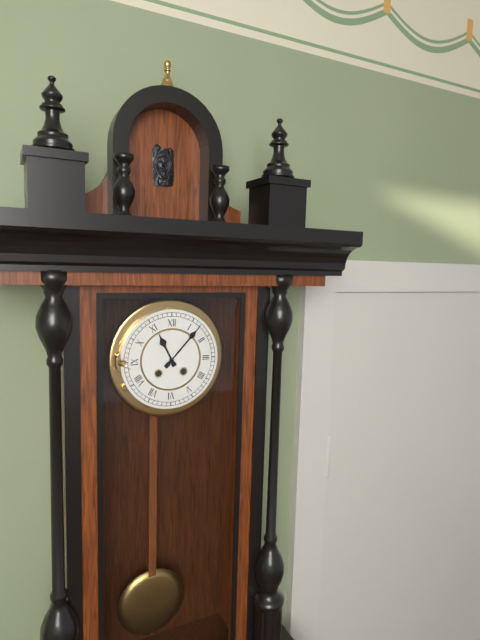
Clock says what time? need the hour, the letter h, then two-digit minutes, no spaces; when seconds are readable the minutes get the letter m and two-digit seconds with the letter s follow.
11h07
